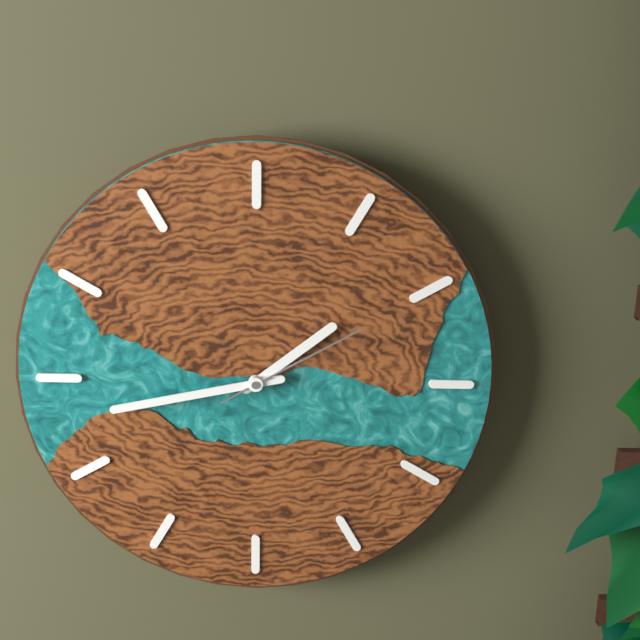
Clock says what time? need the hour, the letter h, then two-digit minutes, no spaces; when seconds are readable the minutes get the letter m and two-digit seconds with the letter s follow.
1h43m10s
